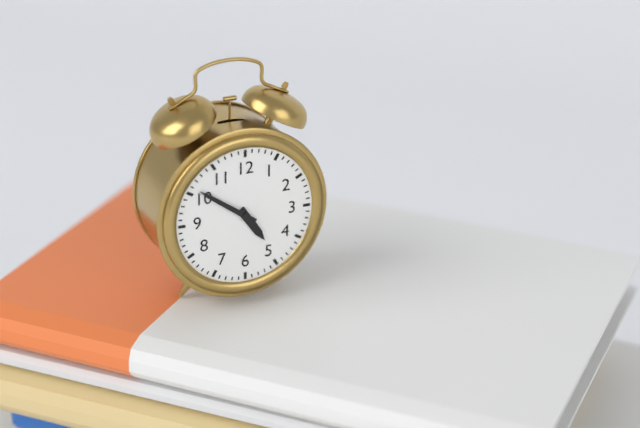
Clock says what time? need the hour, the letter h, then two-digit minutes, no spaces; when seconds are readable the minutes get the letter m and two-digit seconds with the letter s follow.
4h51
